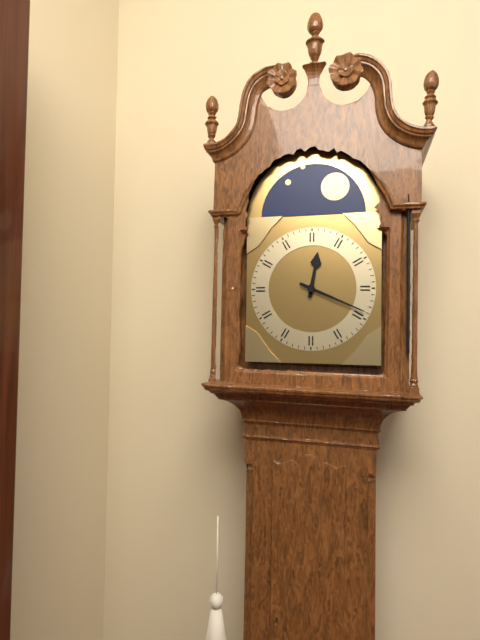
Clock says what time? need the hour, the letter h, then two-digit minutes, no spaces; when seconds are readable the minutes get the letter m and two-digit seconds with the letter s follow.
12h19
